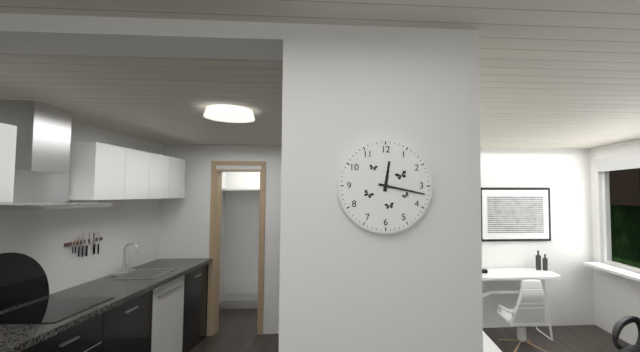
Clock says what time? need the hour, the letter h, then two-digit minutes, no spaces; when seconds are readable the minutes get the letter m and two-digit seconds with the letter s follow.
12h17
